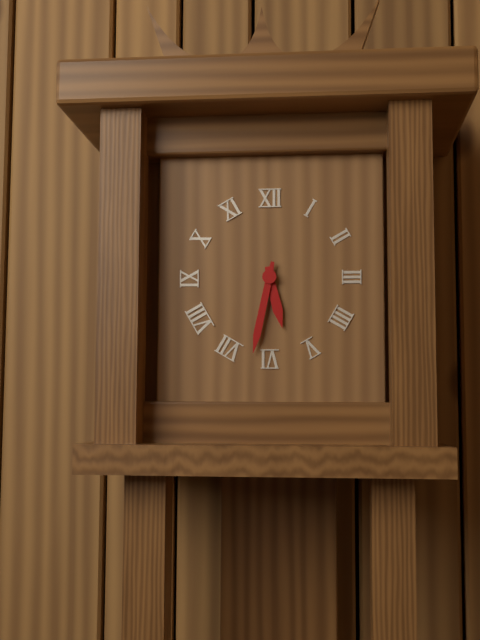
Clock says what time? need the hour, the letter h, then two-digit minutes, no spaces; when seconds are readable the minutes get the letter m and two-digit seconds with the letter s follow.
5h32
